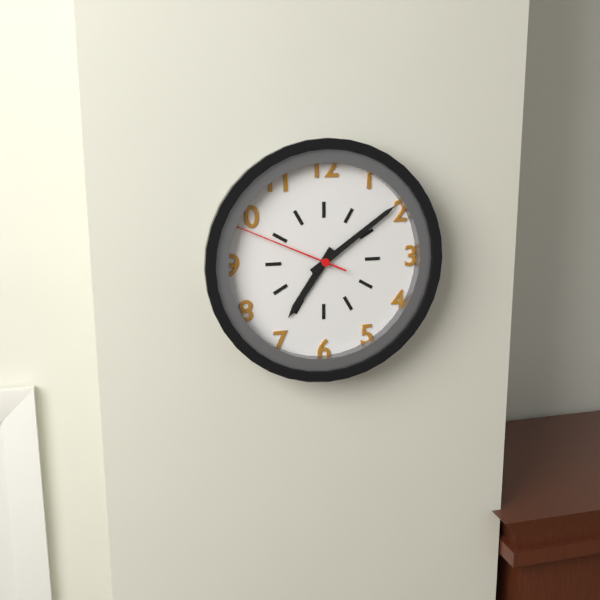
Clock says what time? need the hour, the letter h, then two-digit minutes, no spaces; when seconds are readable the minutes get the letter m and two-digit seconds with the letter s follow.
7h09m49s
